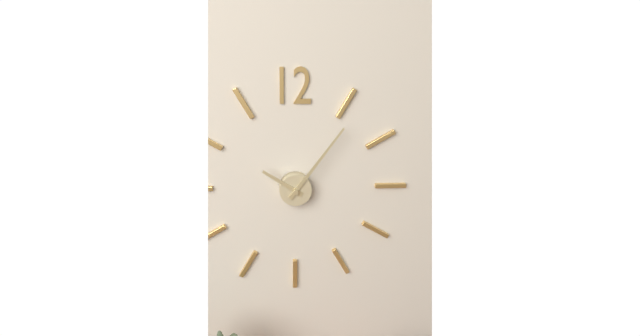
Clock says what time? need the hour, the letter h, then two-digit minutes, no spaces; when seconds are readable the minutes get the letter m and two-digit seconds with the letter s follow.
10h06
